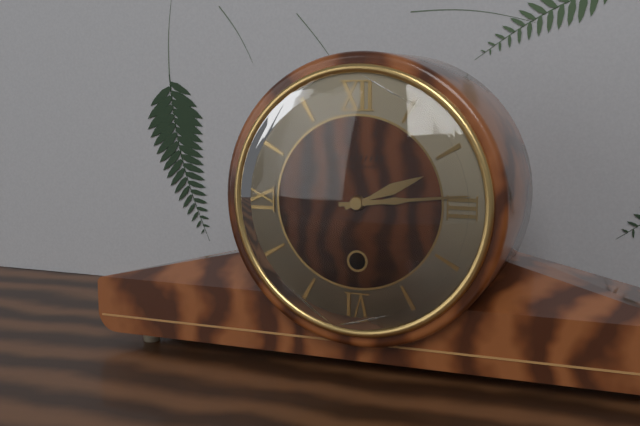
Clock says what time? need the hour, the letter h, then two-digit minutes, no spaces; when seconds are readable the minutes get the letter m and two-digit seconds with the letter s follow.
2h14
